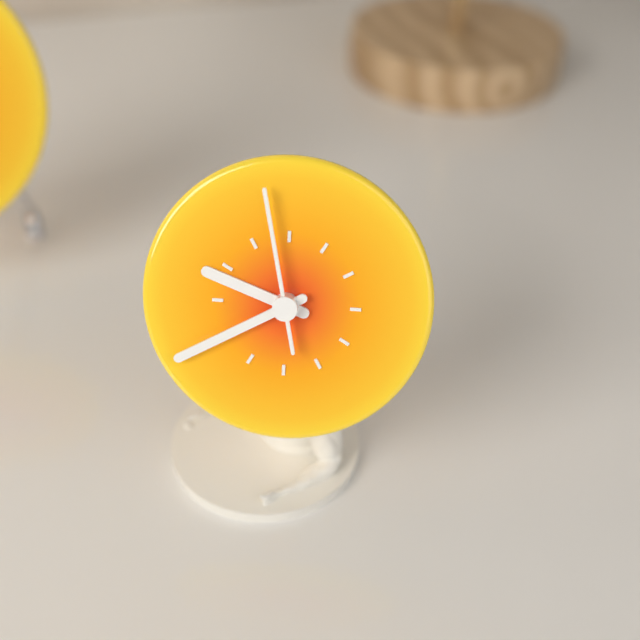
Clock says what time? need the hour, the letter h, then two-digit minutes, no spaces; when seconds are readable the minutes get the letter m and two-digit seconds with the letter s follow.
9h40m58s
